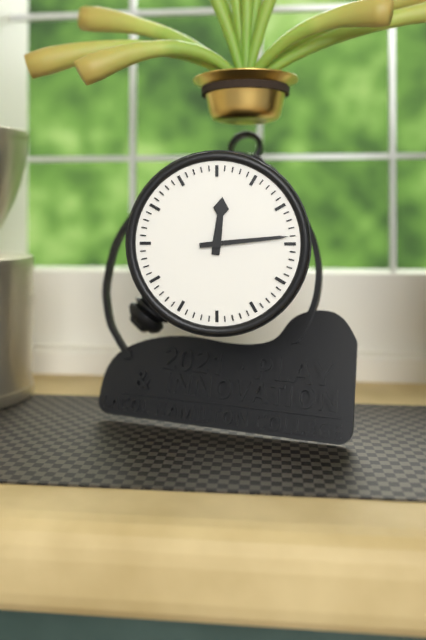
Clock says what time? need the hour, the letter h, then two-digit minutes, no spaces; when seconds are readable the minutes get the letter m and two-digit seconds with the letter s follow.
12h14
